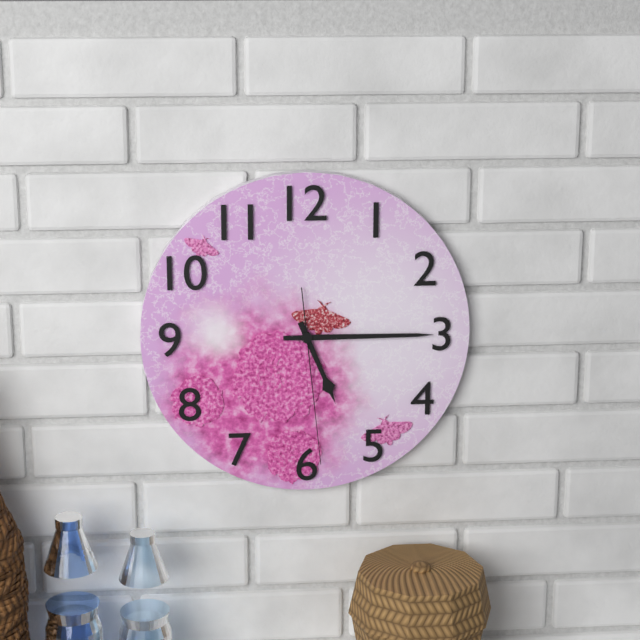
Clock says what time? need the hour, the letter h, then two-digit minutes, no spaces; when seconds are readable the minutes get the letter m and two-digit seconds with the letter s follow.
5h15m29s
